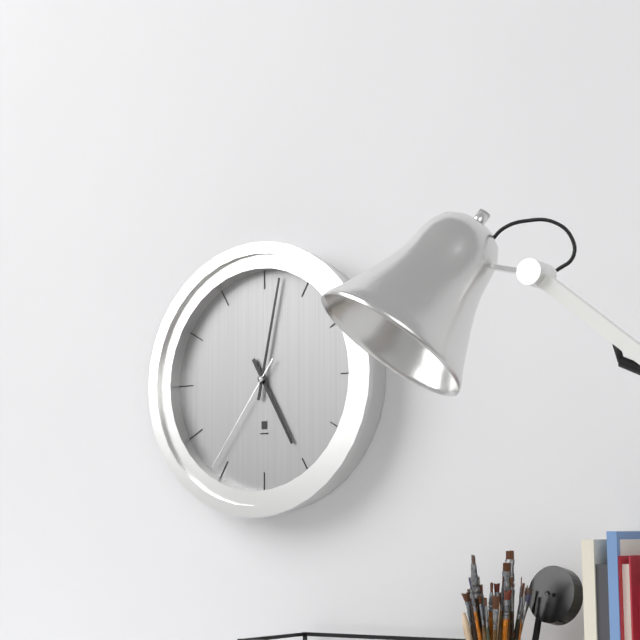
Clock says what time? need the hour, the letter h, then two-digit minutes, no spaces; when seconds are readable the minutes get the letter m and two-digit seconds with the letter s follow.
5h02m36s
